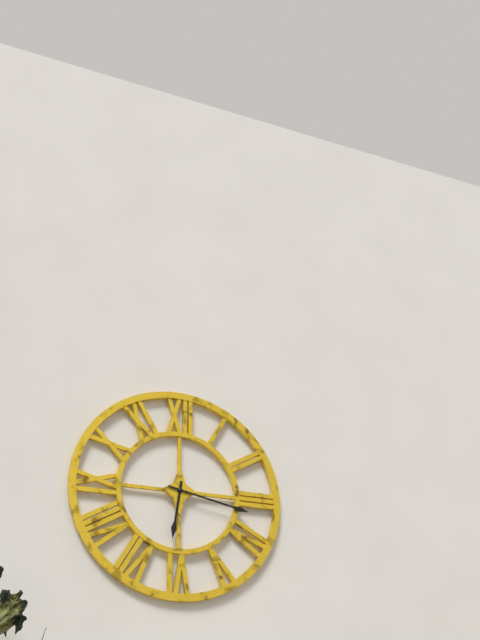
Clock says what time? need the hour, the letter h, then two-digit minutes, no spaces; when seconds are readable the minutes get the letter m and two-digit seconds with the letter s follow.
6h17
